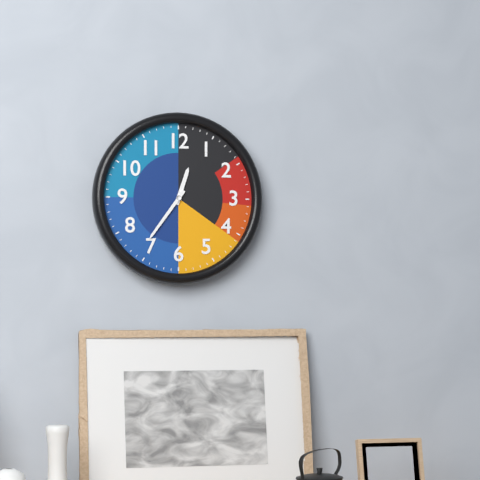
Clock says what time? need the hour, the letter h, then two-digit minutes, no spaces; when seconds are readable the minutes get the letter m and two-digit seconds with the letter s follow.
12h36
